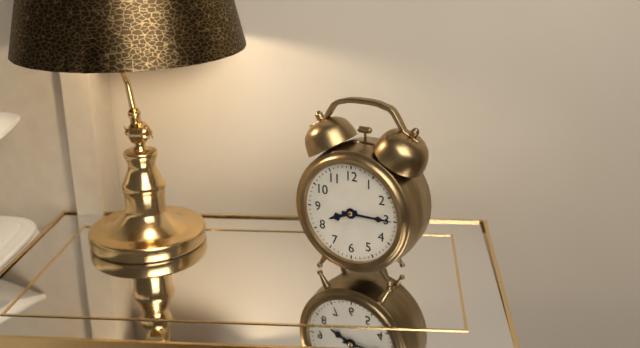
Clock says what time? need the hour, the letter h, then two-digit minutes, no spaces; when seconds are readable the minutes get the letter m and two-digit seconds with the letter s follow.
8h15
